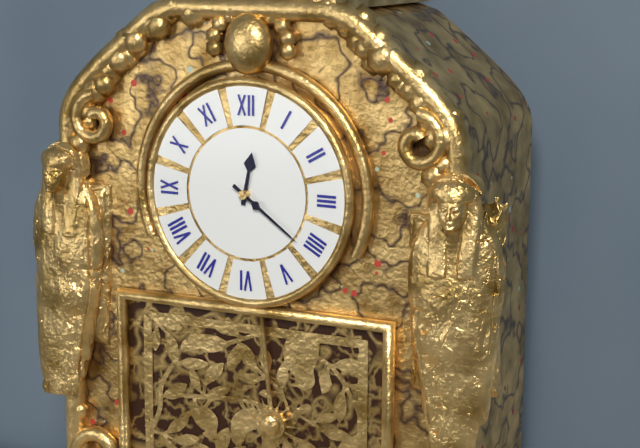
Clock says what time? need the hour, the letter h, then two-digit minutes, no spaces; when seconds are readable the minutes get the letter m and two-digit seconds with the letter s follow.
12h21
